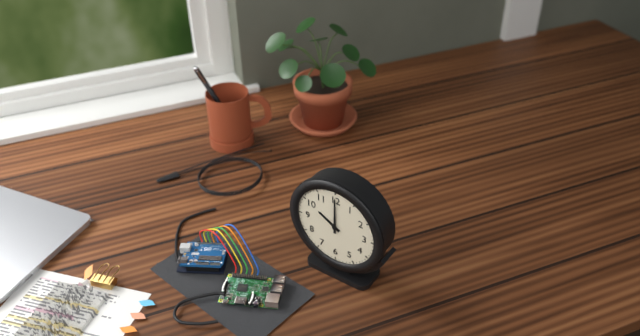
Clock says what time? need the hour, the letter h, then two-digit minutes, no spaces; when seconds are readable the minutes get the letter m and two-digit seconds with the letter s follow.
10h00
